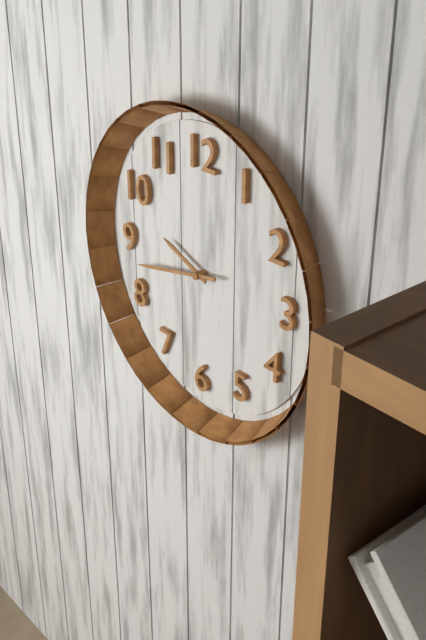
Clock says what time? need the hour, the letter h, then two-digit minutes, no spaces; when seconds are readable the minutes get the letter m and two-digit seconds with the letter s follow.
9h43
